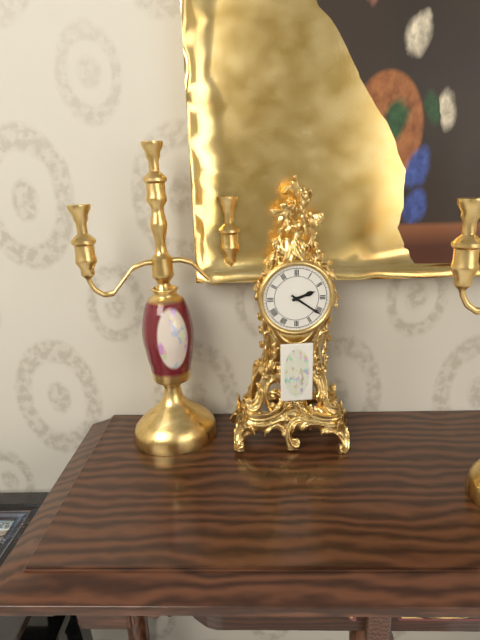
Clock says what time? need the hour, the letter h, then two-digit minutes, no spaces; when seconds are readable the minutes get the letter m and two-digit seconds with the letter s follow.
2h21
